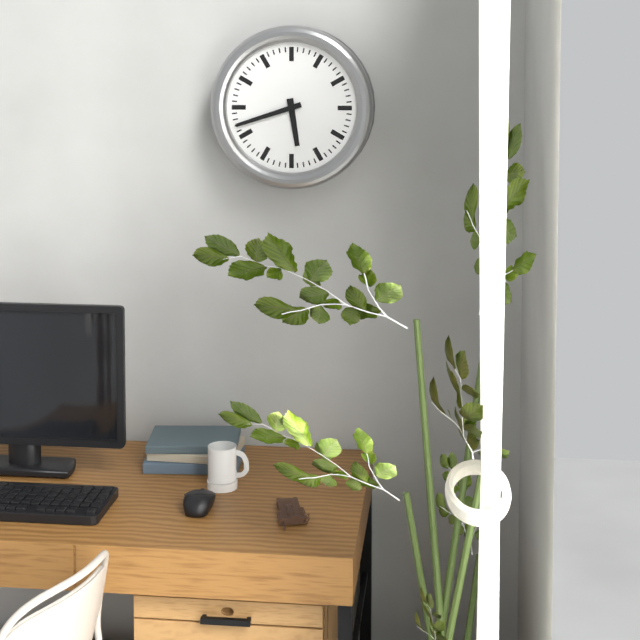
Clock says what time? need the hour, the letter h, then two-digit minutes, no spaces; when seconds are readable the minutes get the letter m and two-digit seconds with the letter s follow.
5h42
